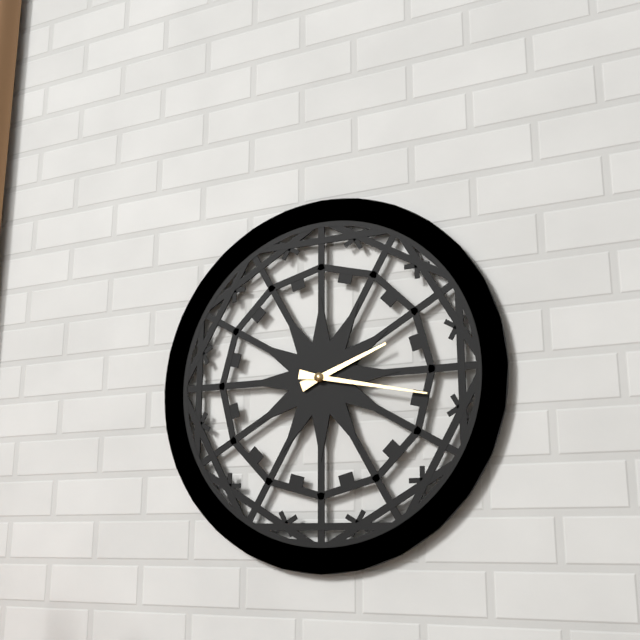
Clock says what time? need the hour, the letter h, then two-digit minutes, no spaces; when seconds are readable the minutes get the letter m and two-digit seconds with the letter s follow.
2h17
